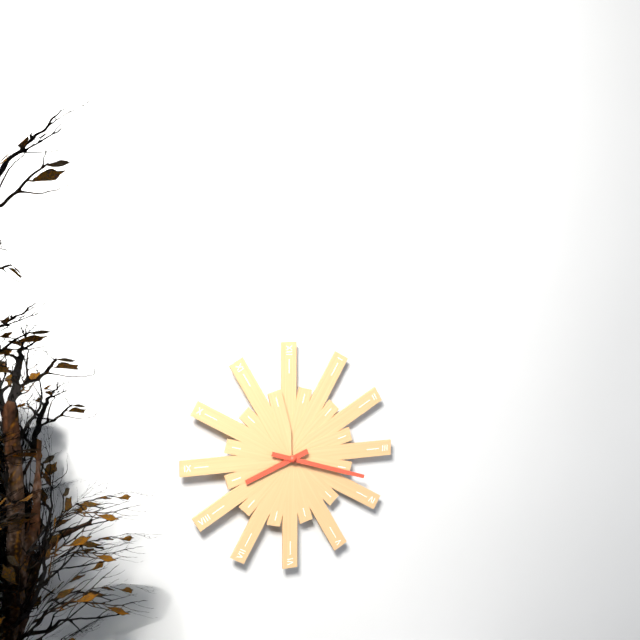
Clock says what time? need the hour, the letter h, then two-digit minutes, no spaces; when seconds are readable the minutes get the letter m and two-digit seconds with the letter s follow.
8h18
